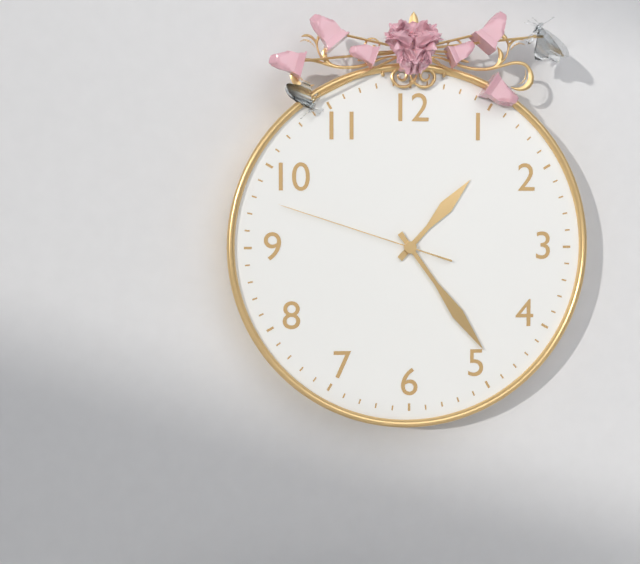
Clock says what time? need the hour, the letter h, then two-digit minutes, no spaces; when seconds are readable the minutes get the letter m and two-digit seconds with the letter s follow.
1h24m48s
